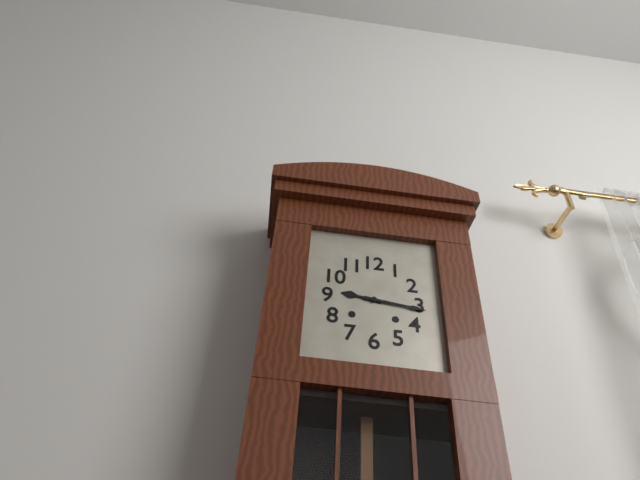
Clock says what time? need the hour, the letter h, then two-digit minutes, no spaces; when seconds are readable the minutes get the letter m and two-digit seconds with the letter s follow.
9h16
